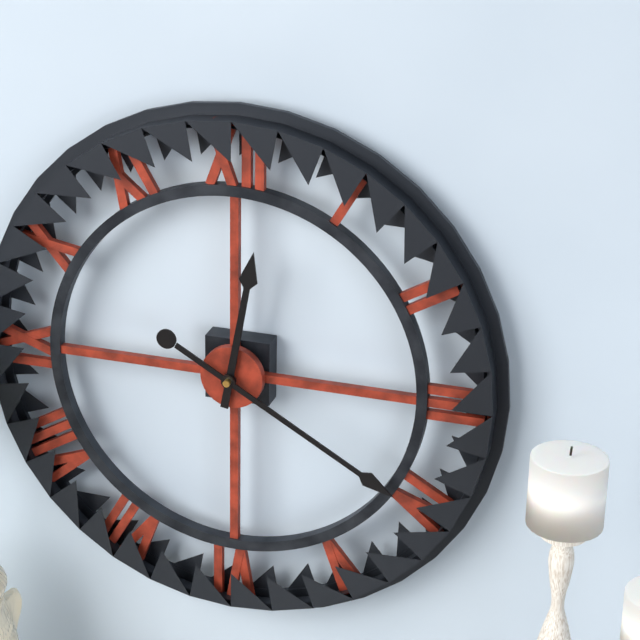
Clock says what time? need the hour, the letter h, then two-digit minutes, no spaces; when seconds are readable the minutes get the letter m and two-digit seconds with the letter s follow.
12h20
